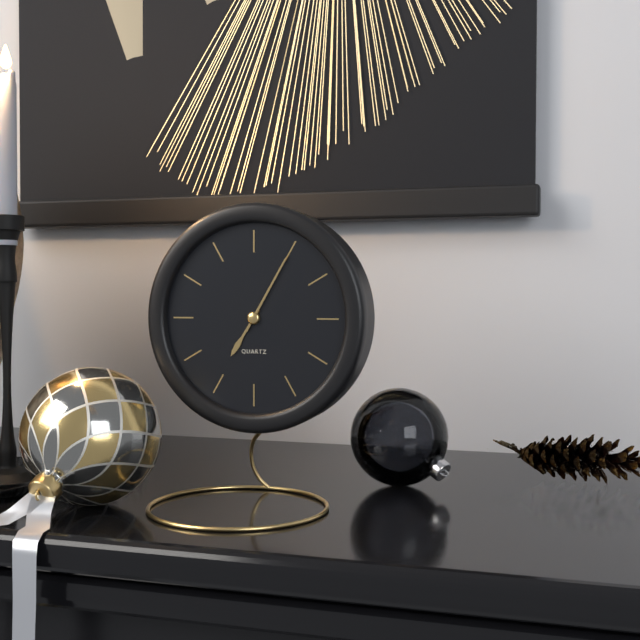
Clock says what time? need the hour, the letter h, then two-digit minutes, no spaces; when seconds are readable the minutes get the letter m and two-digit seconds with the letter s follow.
7h05
